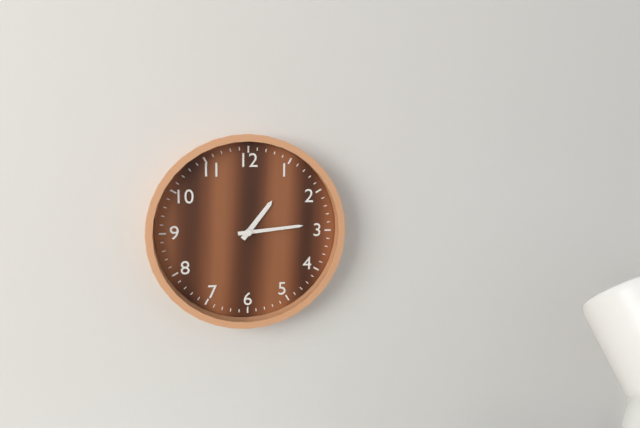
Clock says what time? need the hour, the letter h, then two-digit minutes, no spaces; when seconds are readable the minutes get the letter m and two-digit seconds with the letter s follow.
1h14
